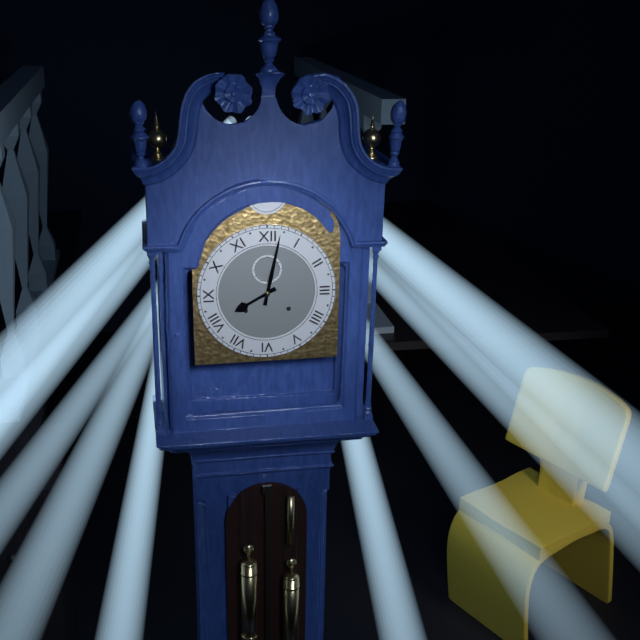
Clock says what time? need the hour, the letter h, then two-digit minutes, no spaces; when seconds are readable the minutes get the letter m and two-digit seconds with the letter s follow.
8h02
